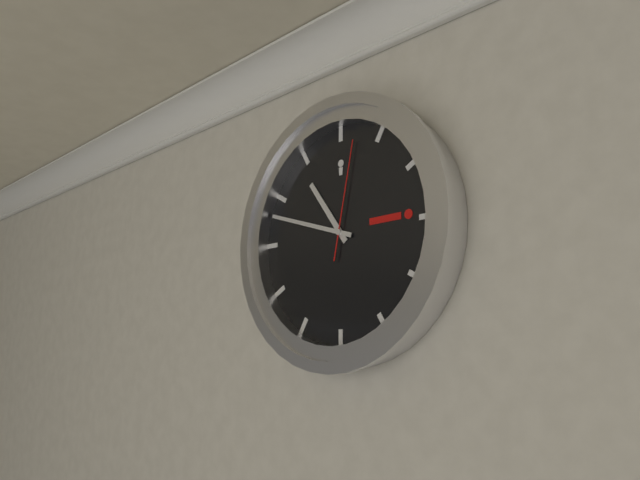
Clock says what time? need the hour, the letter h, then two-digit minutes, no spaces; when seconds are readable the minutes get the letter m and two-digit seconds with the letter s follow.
10h48m02s
